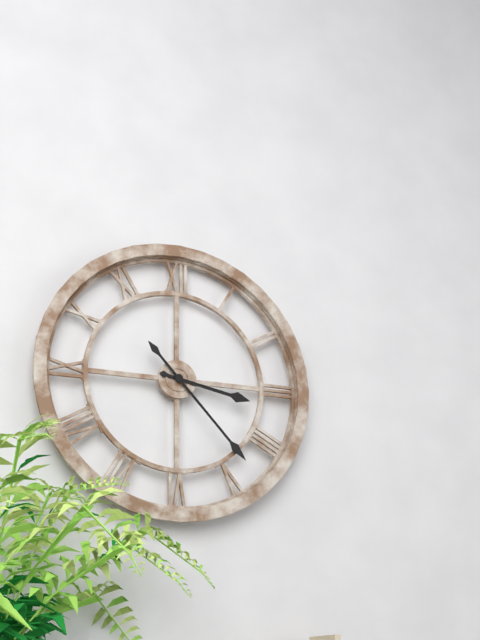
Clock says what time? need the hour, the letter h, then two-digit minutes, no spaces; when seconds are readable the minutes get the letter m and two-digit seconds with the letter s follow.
3h23
